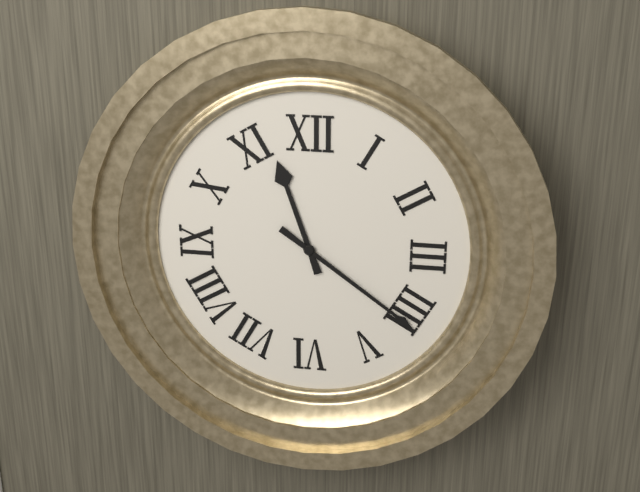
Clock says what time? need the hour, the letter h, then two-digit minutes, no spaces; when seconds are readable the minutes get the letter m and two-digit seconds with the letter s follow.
11h21
